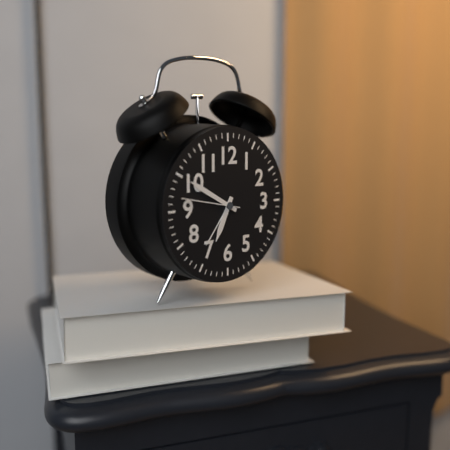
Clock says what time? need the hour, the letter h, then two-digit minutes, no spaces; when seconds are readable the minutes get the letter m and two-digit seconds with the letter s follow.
6h50m47s
